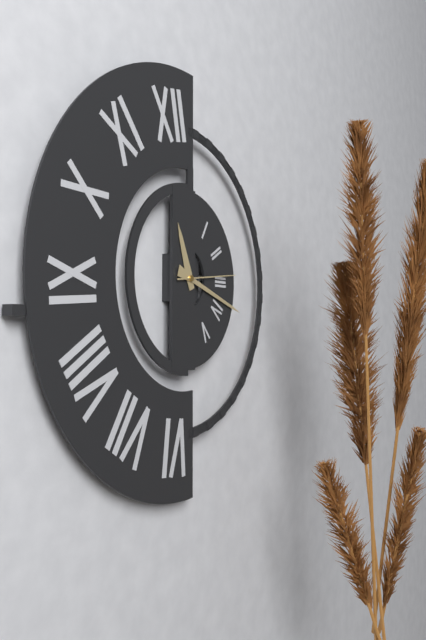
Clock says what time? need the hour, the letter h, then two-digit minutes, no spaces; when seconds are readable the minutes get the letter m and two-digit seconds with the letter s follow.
11h18m14s
